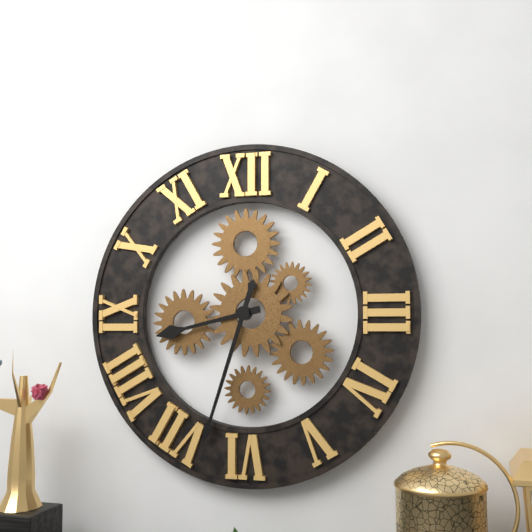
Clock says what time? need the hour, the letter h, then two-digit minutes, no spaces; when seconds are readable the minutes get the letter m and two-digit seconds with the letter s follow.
8h33
